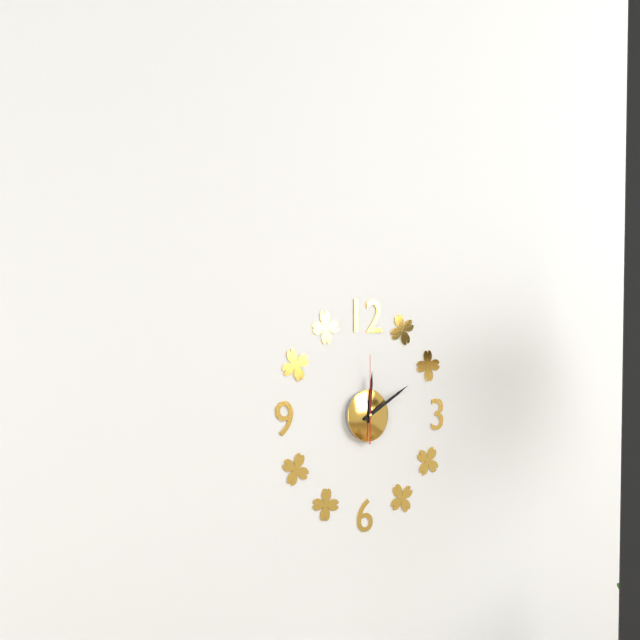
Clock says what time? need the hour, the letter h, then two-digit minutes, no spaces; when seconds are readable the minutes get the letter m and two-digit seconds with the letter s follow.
12h10m00s
